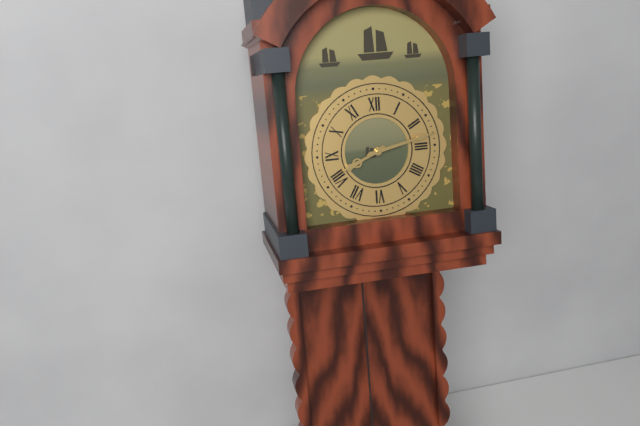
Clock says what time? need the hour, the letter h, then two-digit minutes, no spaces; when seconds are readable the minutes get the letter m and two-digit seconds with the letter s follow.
8h13
